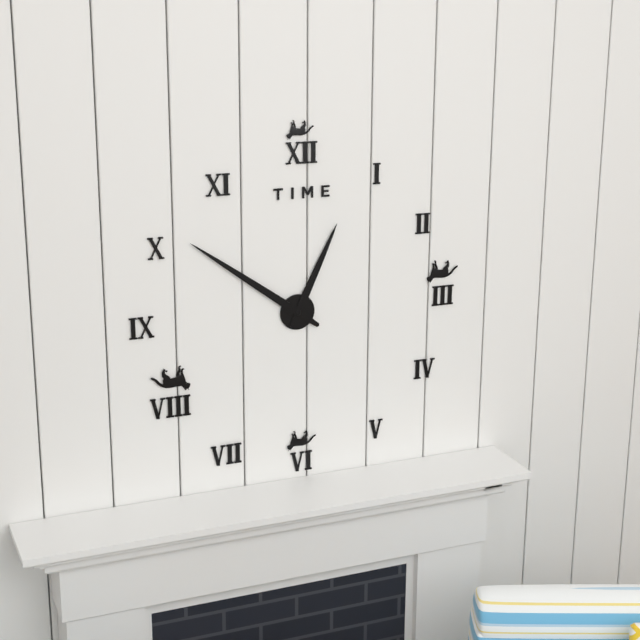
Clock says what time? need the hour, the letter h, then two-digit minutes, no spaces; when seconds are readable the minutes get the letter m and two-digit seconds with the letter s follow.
12h51
